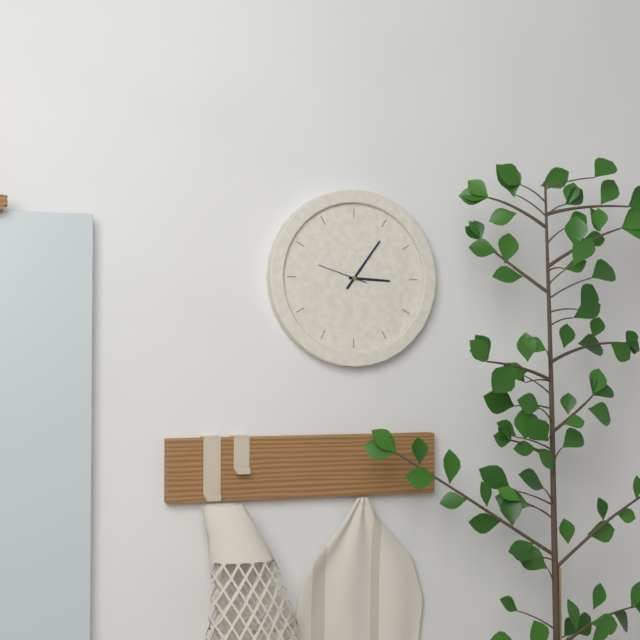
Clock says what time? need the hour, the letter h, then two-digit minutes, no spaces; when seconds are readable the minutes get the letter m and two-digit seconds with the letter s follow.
3h06
